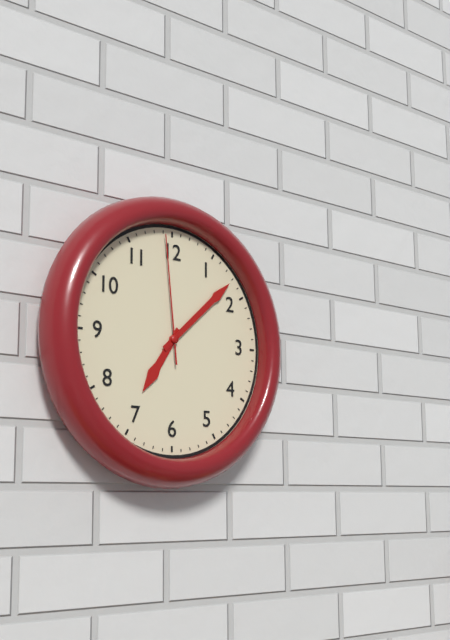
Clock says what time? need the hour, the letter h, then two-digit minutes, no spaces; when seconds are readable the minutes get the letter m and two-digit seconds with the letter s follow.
7h08m59s
